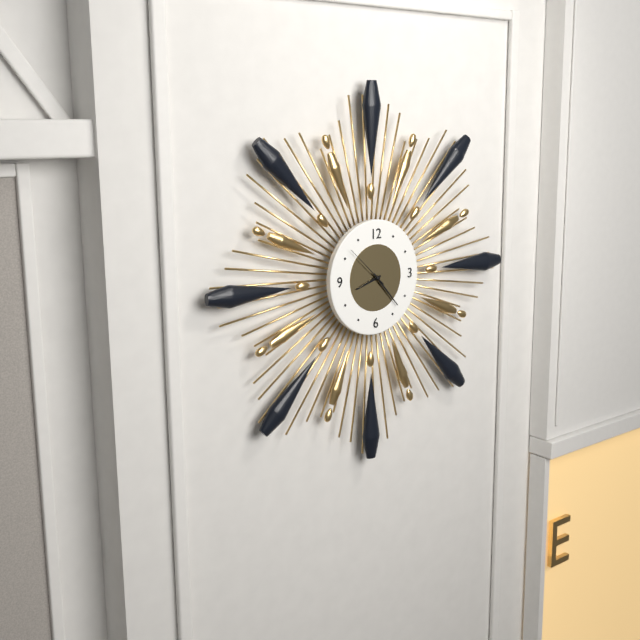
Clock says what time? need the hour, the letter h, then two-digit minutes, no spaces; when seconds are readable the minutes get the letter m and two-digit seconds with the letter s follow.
8h23
